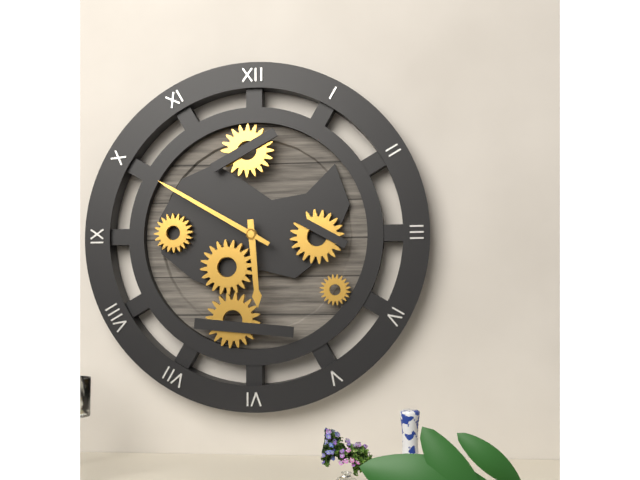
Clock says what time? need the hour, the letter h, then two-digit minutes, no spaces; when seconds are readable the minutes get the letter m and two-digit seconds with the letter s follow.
5h50
